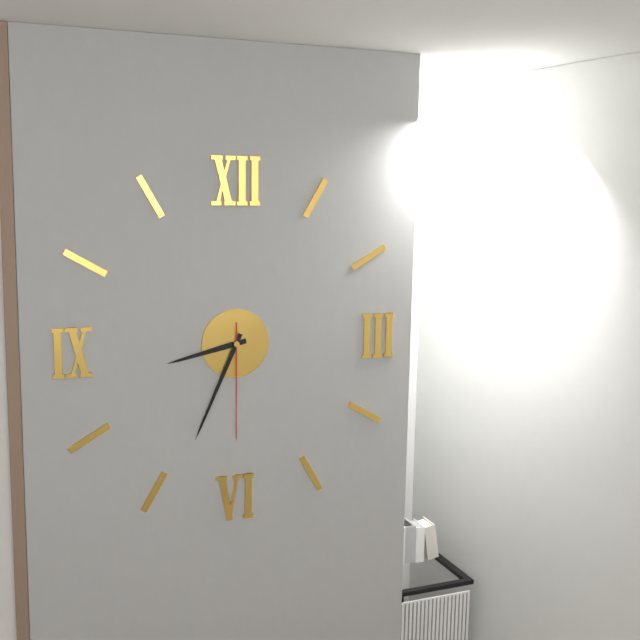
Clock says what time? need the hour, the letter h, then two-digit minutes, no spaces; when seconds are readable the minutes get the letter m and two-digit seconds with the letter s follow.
8h34m30s
